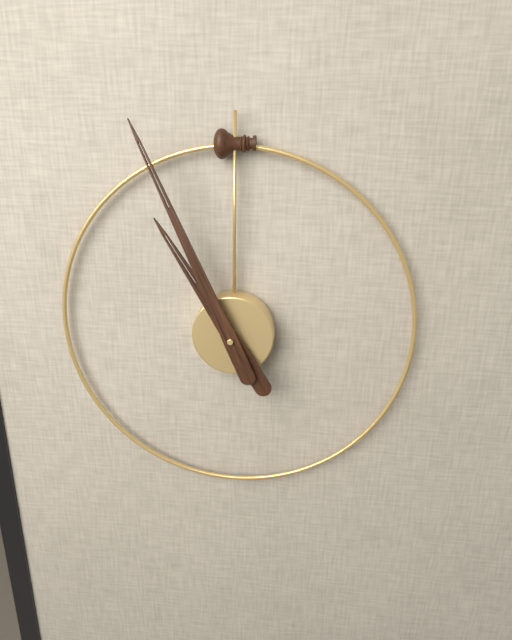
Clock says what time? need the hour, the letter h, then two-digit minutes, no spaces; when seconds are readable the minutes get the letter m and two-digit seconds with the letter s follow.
10h56
